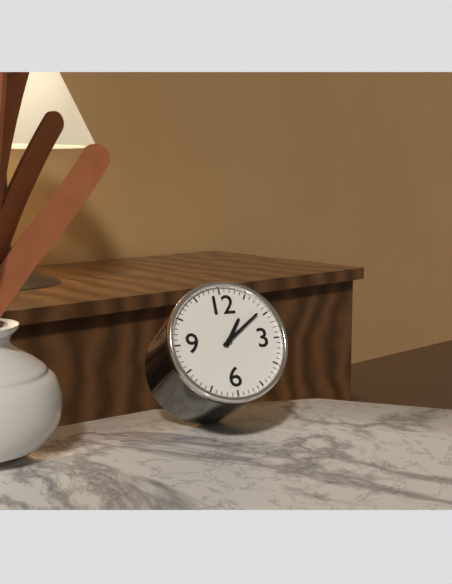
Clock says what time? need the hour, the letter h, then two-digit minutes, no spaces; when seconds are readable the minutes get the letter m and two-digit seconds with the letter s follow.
1h09
